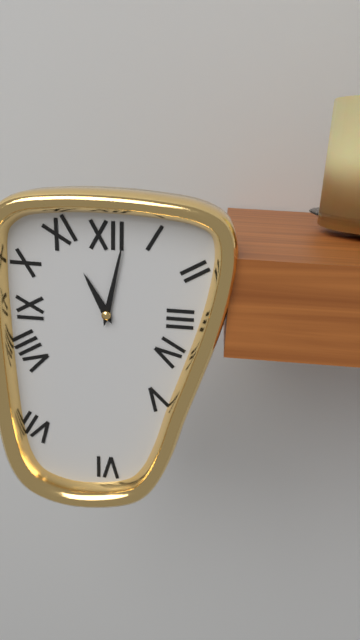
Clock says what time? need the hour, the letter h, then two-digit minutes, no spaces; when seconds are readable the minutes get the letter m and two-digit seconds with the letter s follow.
11h02
